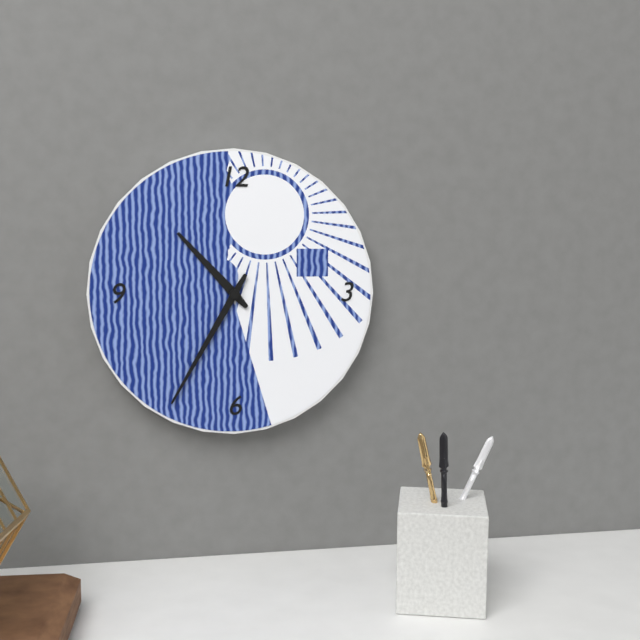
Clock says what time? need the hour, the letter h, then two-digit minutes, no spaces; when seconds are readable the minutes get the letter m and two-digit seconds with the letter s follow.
10h35
